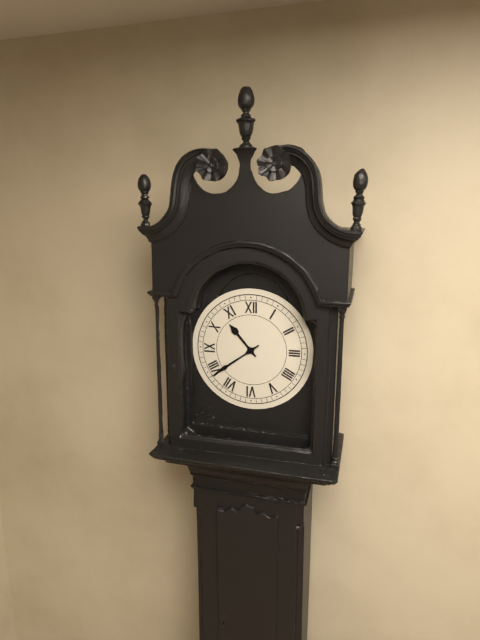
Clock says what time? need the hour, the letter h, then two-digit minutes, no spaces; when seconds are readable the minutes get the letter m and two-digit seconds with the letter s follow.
10h39
